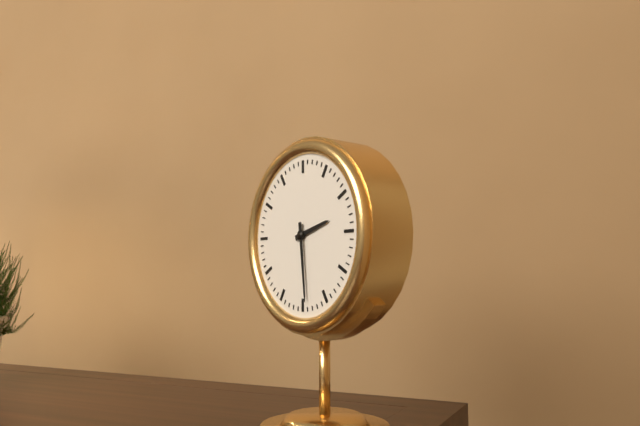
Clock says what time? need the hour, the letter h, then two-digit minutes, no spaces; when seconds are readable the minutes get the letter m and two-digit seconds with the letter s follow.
2h29
